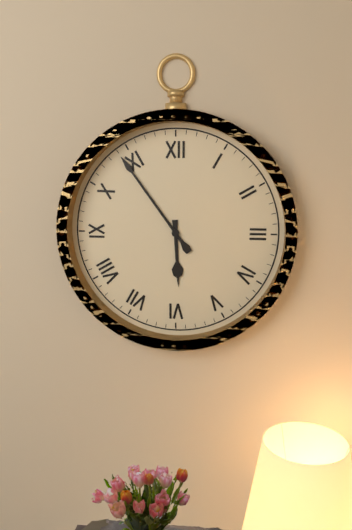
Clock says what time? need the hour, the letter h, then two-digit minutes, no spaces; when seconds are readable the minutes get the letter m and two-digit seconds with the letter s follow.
5h54
